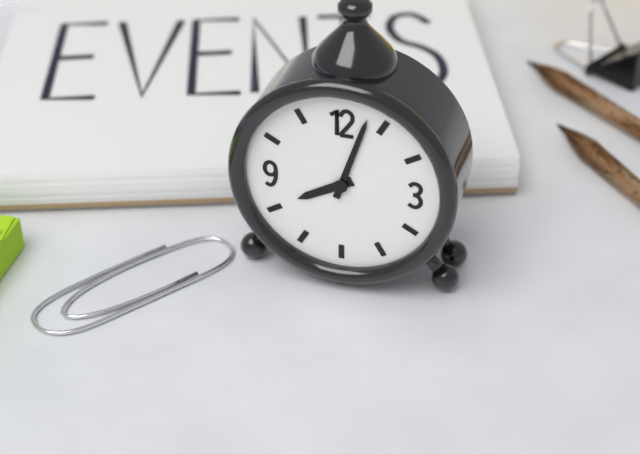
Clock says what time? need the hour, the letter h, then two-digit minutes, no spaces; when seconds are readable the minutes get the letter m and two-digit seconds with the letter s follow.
8h03
